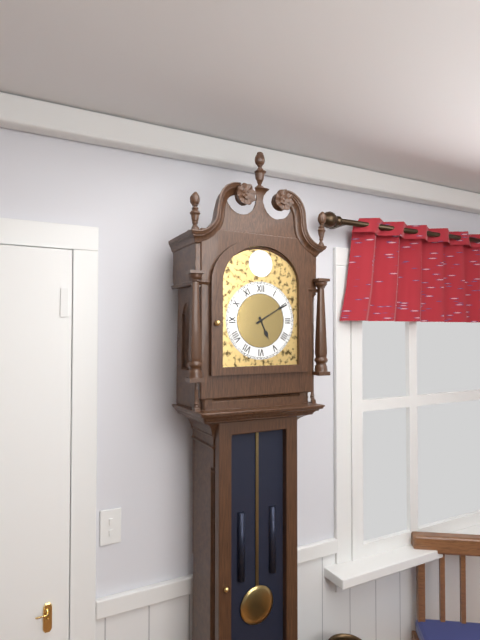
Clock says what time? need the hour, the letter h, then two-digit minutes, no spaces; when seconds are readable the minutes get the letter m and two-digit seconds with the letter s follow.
5h10
